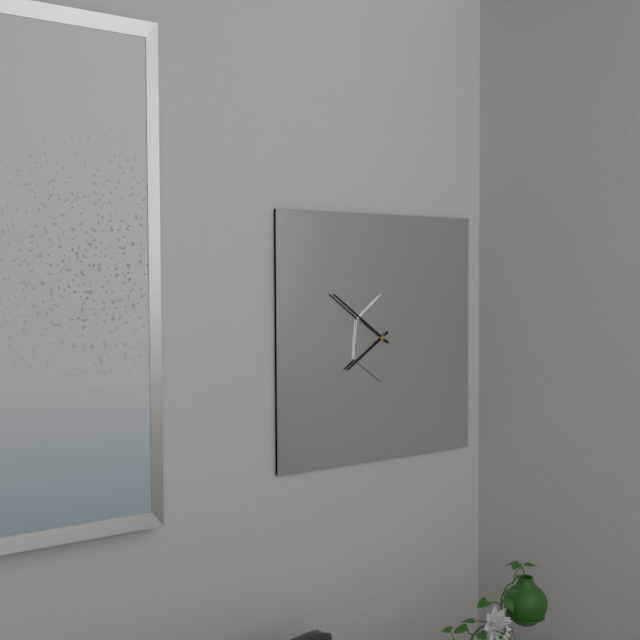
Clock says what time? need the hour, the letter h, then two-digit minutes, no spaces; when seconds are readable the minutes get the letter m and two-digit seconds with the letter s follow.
7h51
